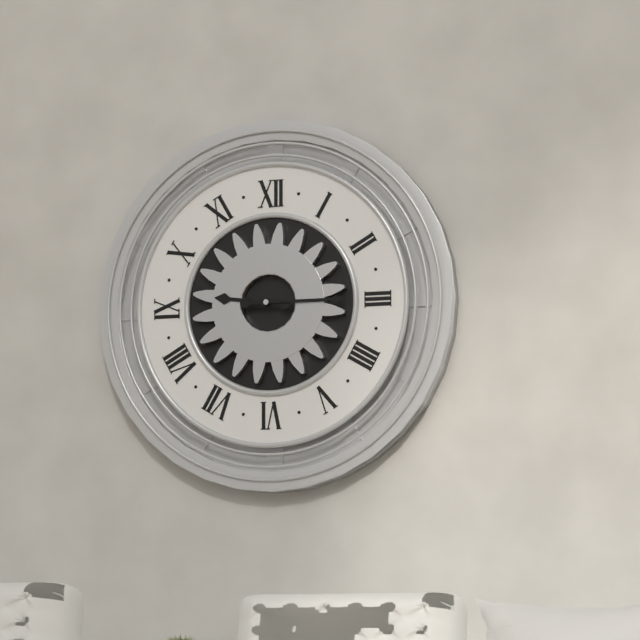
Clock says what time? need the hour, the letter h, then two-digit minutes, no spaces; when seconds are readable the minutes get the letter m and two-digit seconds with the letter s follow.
9h15
